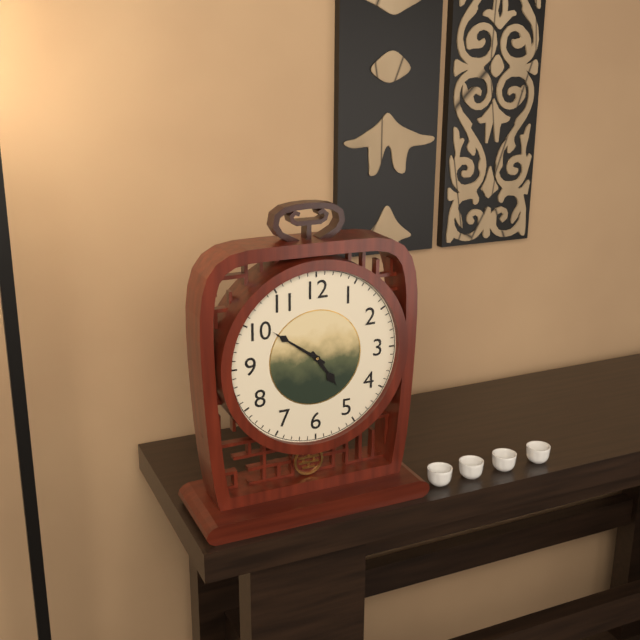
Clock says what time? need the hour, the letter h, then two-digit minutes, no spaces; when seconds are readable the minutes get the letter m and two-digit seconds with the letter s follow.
4h51
